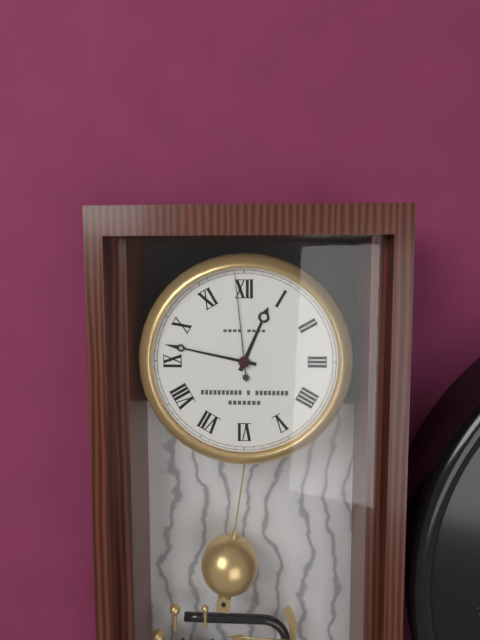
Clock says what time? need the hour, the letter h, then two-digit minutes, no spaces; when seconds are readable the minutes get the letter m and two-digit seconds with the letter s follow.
12h47m59s
